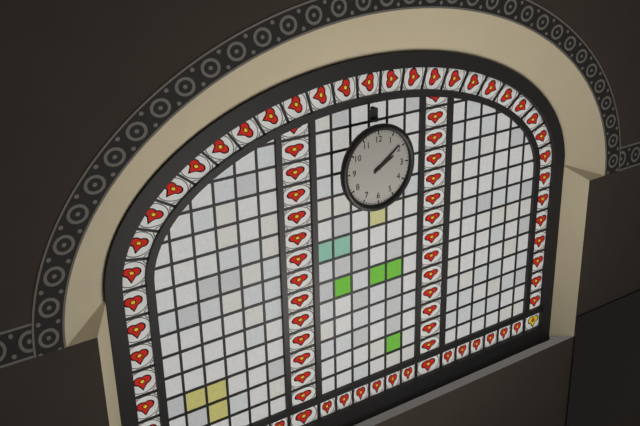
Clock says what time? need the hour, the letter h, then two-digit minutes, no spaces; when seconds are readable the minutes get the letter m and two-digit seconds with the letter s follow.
2h09
